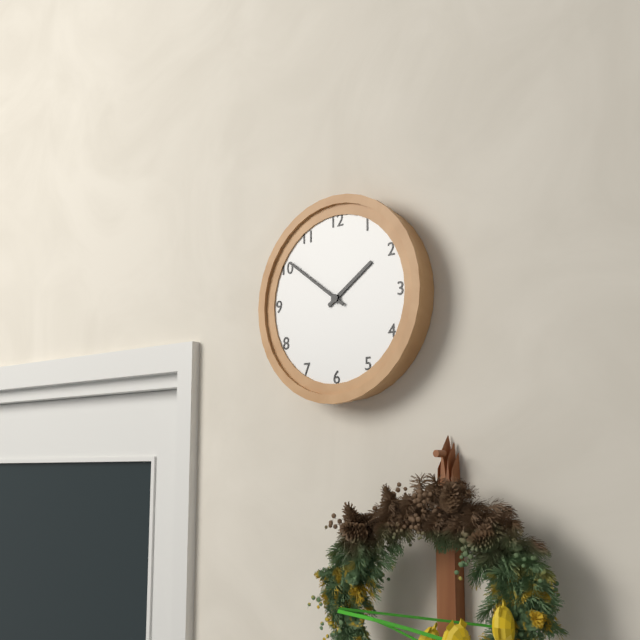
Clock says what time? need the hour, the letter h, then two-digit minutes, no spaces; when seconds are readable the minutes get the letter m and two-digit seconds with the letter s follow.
1h51
